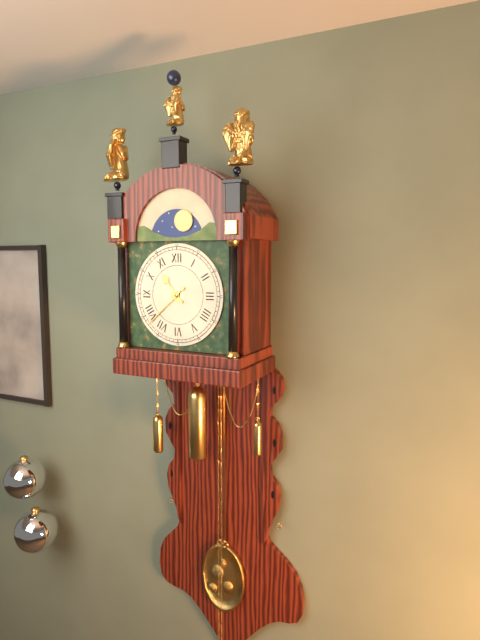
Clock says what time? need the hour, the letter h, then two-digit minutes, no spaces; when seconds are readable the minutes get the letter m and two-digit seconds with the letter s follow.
10h38
